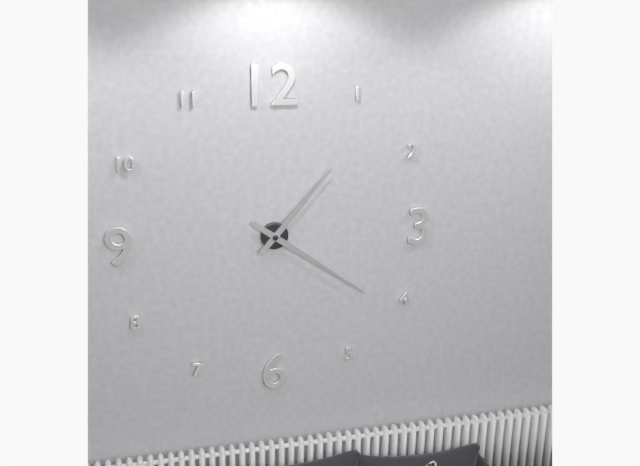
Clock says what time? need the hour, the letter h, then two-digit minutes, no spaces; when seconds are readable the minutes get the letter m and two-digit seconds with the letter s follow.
1h21
